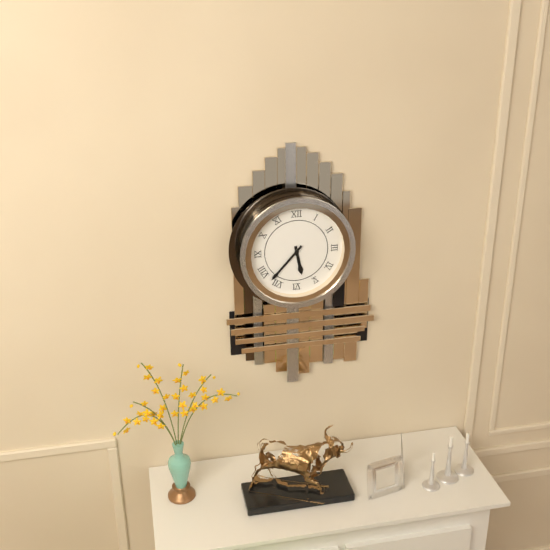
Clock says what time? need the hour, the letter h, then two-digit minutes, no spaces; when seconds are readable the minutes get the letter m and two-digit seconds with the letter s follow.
5h37
